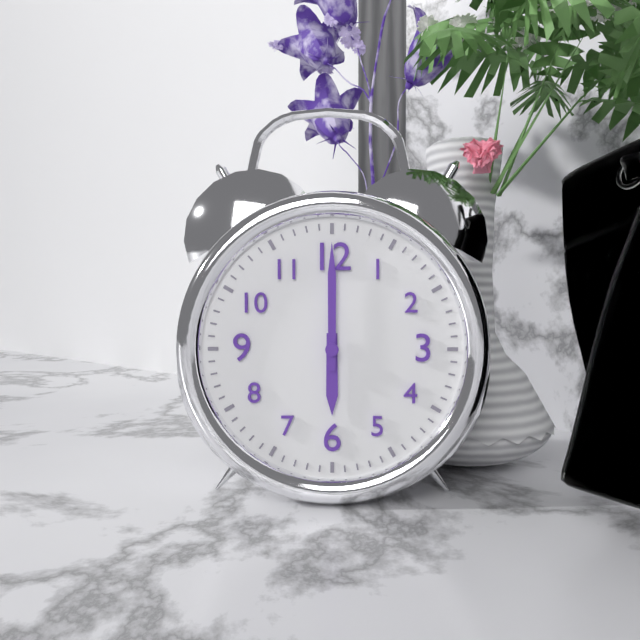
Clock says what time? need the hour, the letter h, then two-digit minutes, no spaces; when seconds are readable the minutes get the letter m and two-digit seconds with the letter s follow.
6h00
